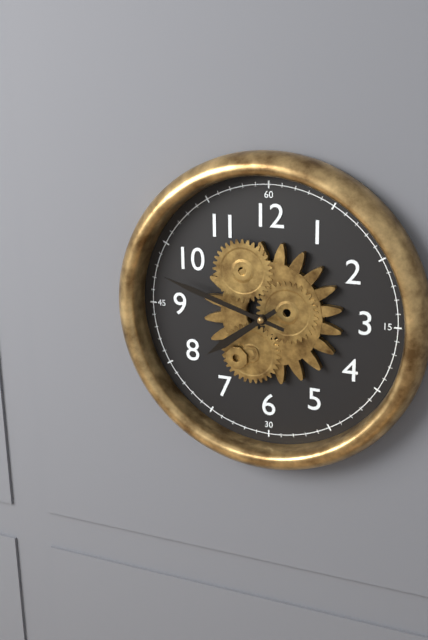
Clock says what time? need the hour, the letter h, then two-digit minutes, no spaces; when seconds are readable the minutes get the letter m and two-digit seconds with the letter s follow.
7h48
